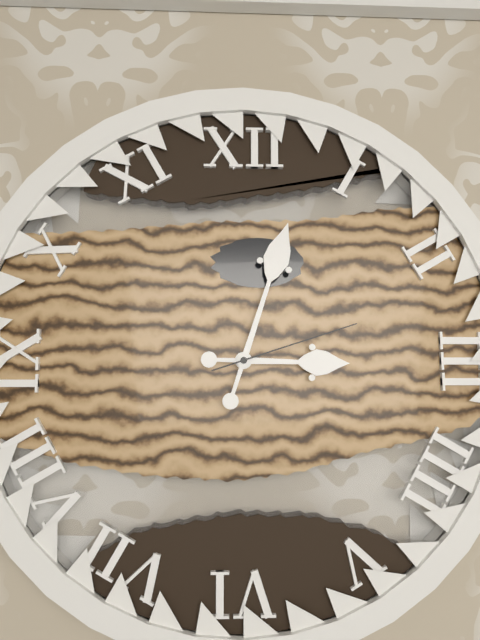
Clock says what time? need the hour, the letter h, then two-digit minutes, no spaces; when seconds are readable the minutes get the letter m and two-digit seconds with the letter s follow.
3h03m12s
